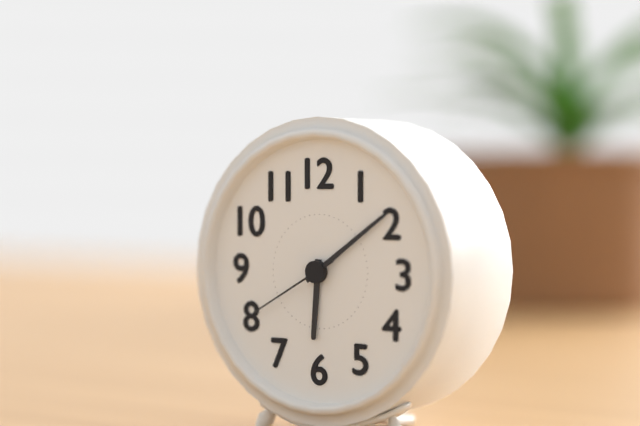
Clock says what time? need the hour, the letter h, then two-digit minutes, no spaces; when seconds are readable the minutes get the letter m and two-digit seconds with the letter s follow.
6h09m40s
